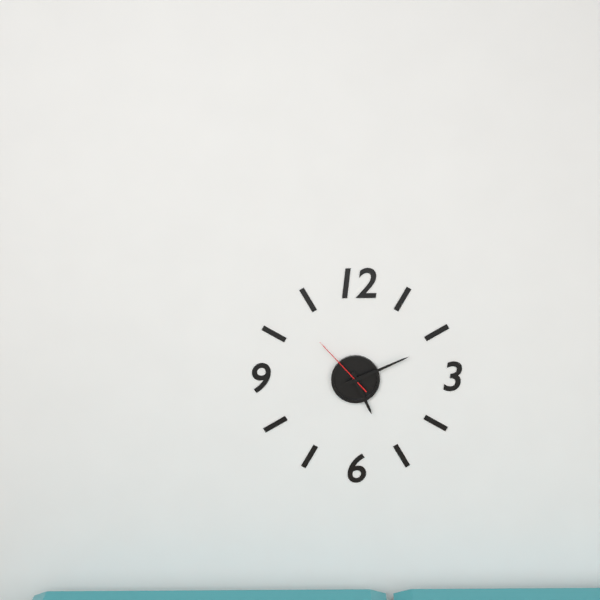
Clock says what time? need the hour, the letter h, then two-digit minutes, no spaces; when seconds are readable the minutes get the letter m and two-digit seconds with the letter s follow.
5h11m53s
